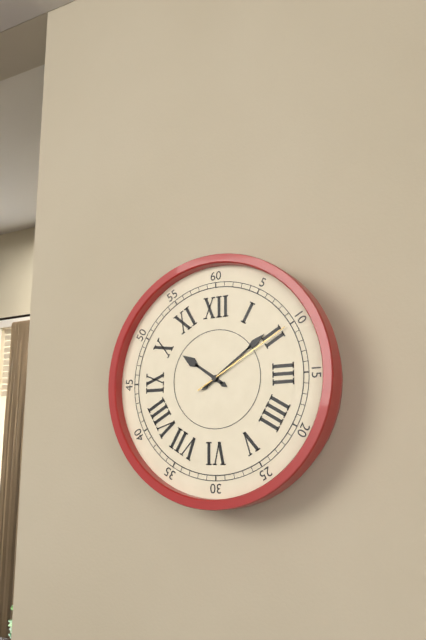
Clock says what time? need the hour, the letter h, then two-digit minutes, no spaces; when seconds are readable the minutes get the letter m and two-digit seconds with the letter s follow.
10h09m10s
